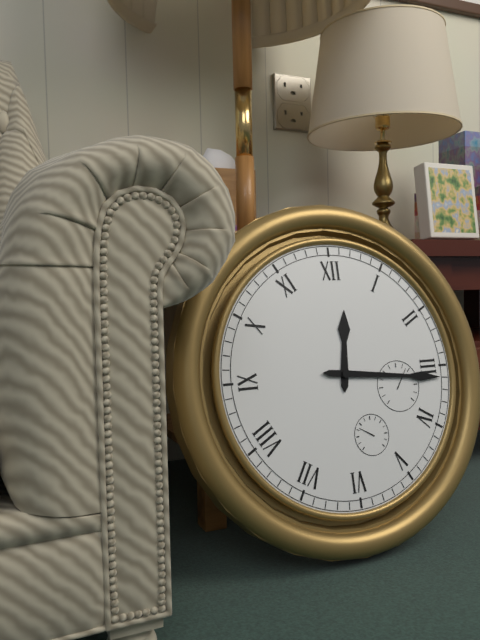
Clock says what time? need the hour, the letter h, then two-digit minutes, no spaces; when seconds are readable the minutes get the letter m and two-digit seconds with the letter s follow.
12h16
